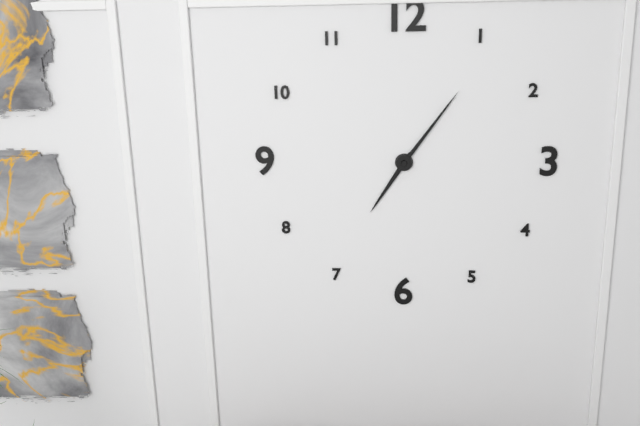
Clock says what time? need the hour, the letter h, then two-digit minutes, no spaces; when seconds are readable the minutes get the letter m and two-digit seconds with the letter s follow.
7h06
